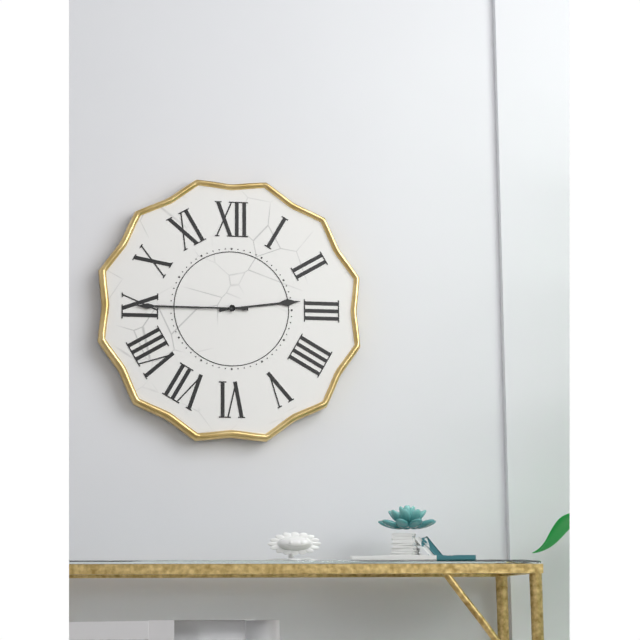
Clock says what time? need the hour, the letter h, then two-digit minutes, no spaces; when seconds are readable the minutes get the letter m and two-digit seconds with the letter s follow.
2h45
